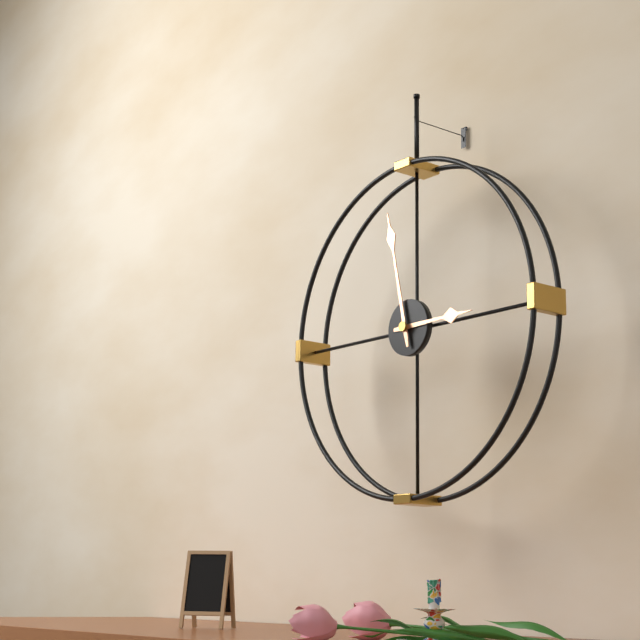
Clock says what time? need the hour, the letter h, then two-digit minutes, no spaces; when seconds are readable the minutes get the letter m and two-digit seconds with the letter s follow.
2h58
